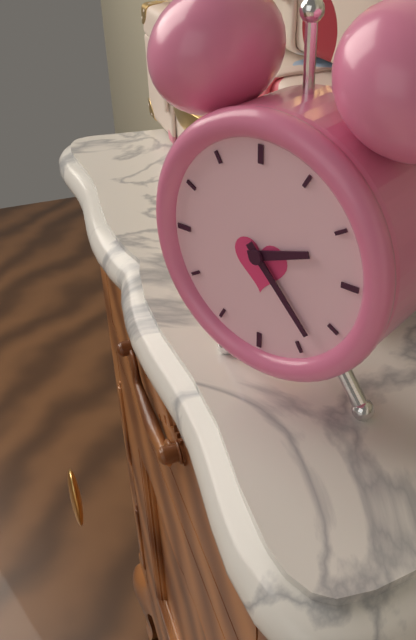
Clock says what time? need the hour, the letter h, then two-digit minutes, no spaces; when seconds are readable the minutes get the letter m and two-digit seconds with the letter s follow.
2h23
